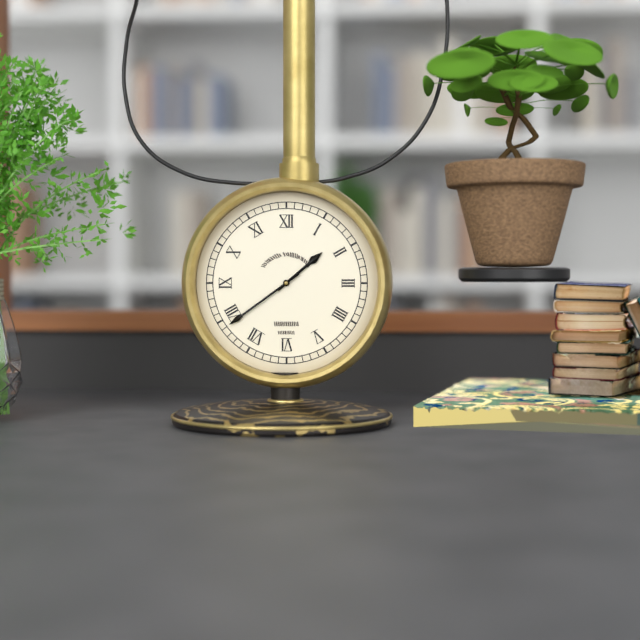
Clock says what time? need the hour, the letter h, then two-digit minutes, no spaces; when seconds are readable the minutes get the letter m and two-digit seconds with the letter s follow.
1h39
